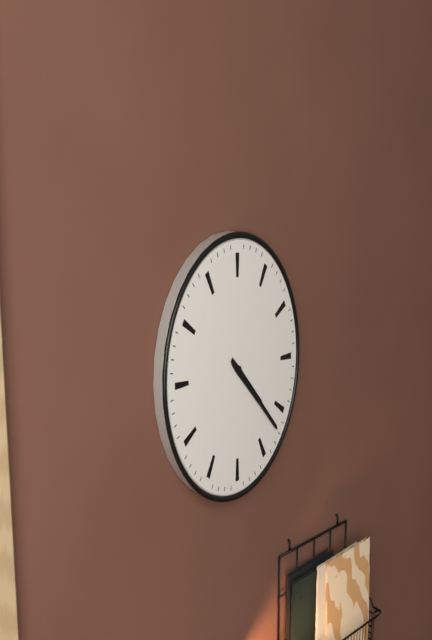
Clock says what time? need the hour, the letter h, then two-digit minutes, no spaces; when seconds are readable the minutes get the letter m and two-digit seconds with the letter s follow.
4h22
